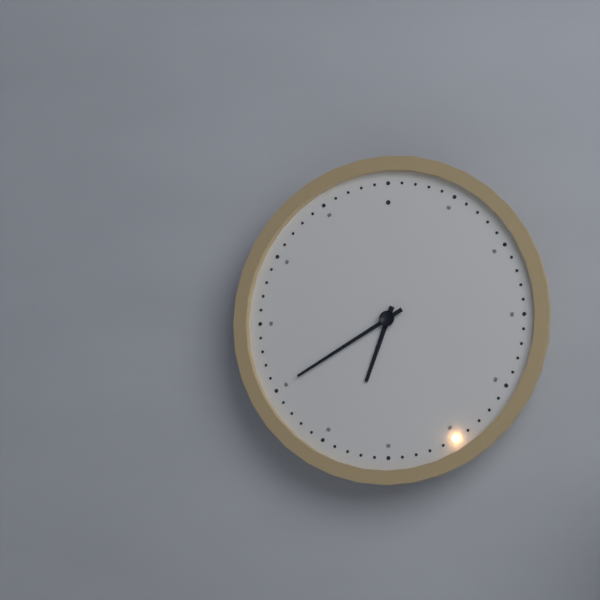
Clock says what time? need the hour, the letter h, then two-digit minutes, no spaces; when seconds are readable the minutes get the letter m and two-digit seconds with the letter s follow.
6h40
